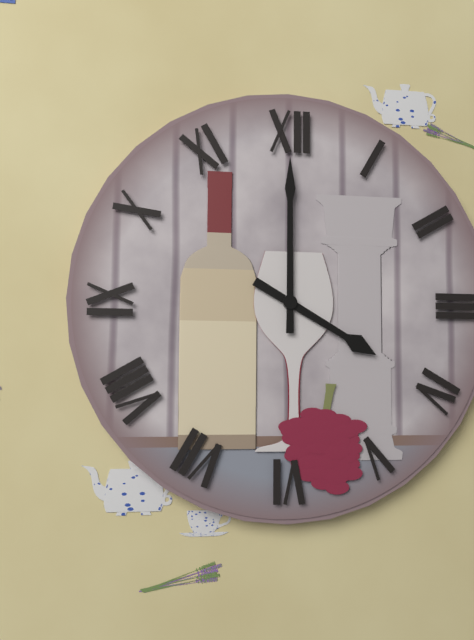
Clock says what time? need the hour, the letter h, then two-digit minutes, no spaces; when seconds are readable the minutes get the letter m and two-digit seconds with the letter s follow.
4h00
